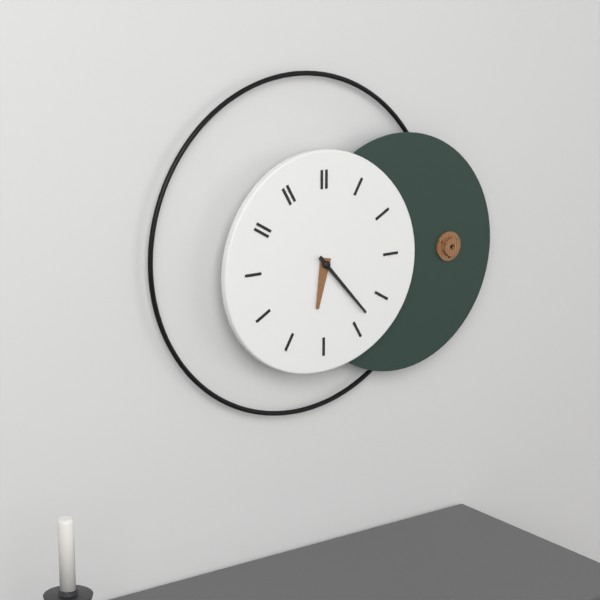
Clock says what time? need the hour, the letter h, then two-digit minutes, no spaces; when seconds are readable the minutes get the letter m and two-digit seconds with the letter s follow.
6h23
